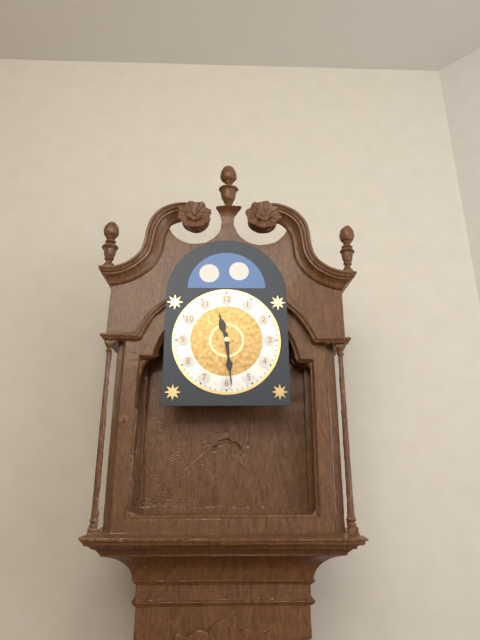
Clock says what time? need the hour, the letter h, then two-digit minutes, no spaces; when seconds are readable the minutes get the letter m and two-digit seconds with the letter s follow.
11h29
